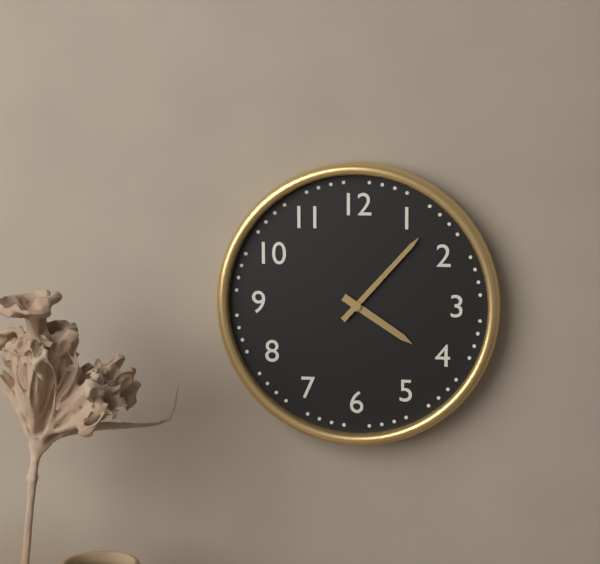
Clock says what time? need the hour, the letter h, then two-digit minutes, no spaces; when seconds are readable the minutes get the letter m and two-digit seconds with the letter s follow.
4h07
